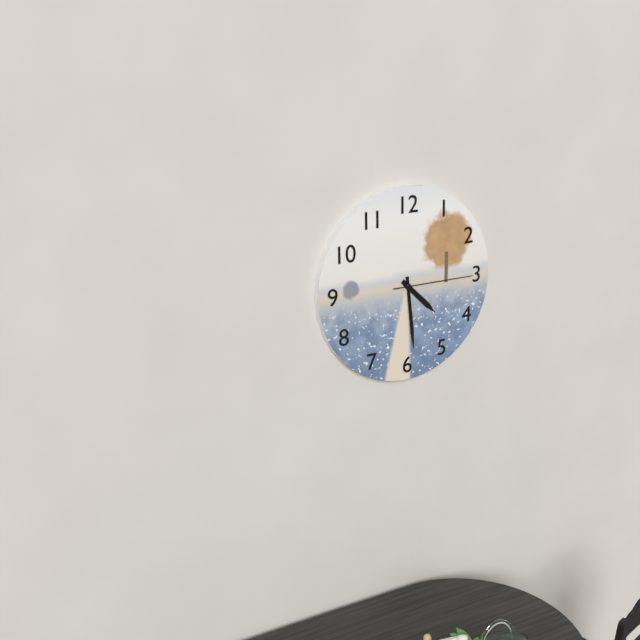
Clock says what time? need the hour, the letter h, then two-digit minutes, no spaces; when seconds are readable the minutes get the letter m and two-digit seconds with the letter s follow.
4h29m15s
